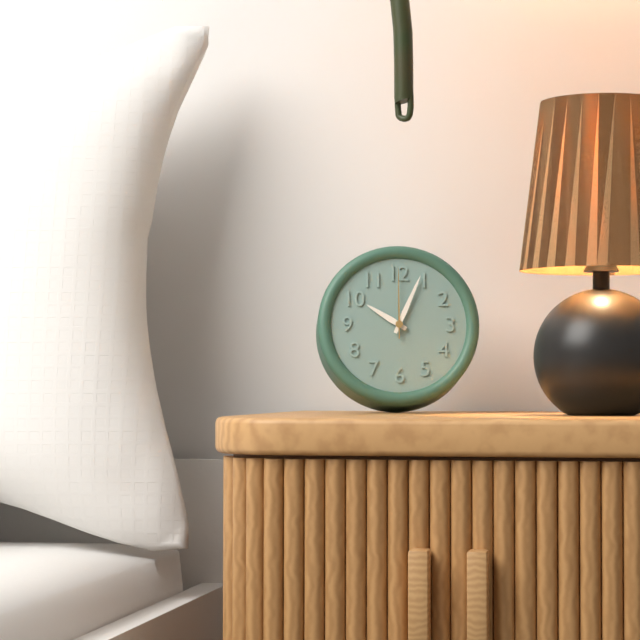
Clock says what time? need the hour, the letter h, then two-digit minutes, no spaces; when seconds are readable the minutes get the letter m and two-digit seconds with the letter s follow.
10h04m00s
